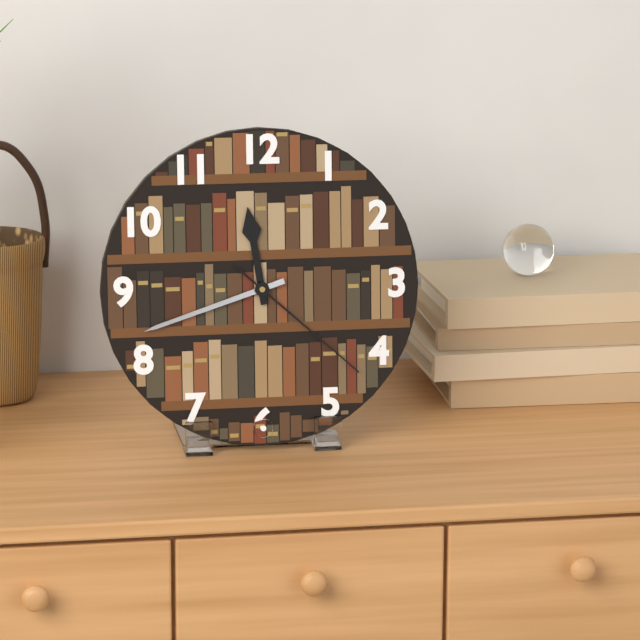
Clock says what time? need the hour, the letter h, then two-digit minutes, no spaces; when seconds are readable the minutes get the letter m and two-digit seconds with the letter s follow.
11h42m22s
